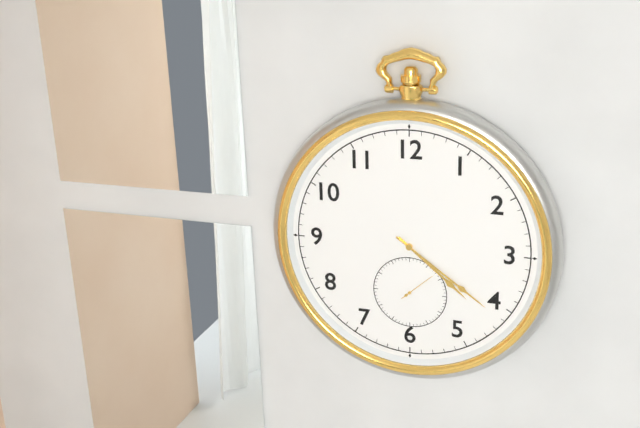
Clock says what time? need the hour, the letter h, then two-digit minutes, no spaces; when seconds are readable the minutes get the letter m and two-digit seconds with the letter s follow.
4h21
